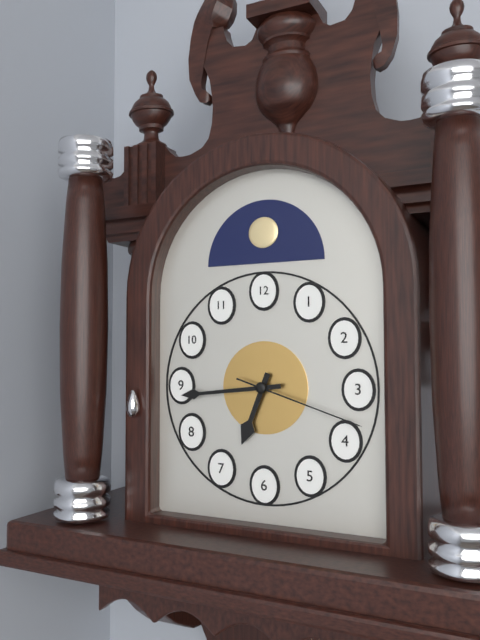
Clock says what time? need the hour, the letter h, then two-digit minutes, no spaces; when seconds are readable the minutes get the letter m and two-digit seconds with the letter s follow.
6h44m18s
